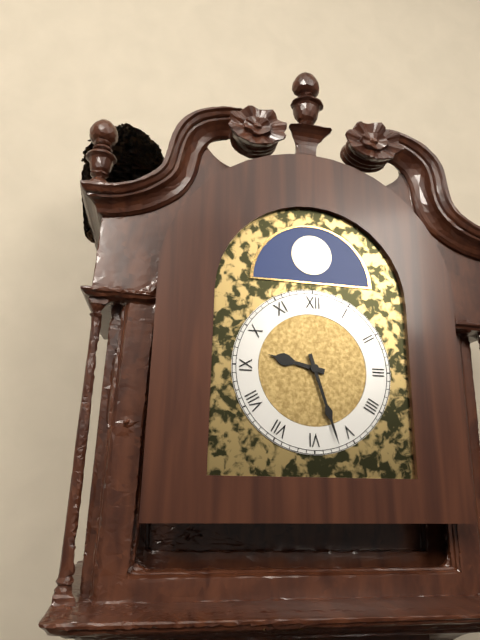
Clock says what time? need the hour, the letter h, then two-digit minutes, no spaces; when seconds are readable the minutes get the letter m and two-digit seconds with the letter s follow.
9h27
